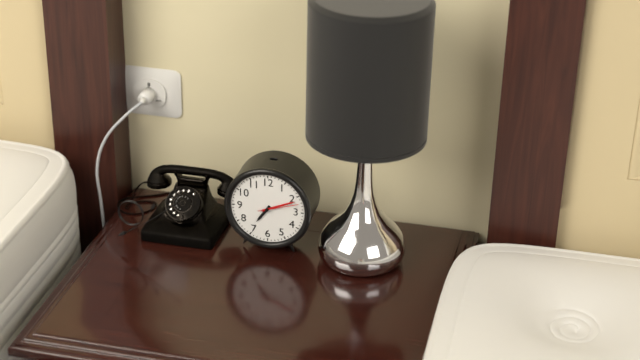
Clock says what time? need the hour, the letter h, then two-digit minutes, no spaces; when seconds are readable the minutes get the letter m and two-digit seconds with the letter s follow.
7h11
